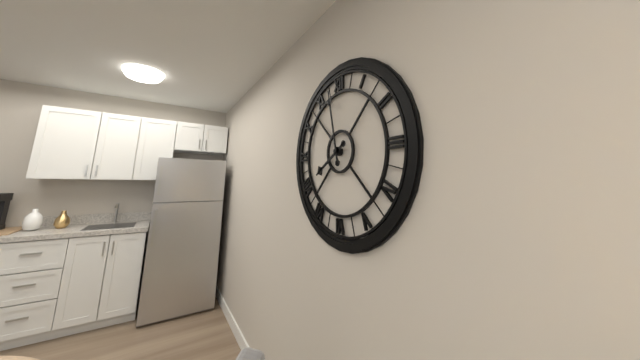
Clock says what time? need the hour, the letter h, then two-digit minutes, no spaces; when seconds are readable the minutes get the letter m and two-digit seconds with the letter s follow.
7h58
